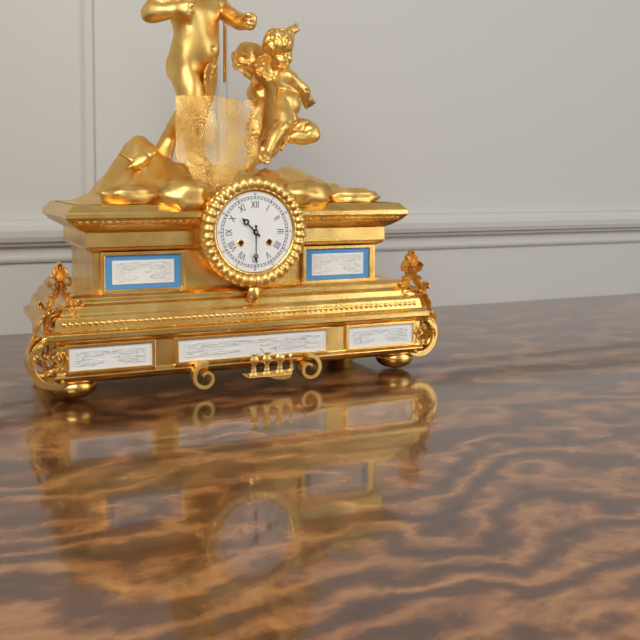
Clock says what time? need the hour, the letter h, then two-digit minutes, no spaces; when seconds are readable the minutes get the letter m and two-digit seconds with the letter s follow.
10h30
